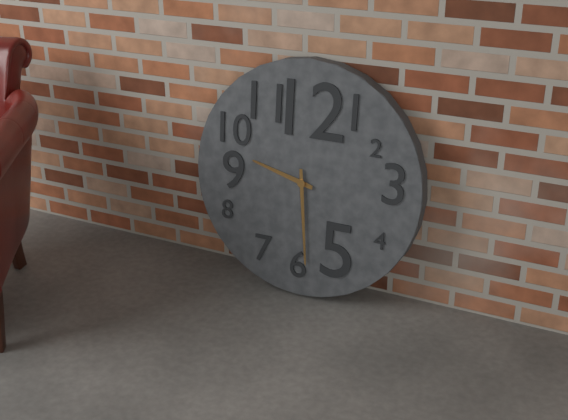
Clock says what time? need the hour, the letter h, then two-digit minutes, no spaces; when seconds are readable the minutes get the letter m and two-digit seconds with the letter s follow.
9h29
